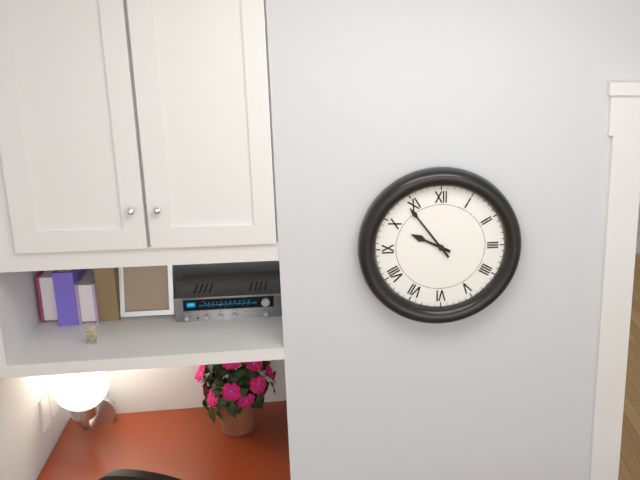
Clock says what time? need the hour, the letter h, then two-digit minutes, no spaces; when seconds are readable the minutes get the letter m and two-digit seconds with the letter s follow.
9h54
